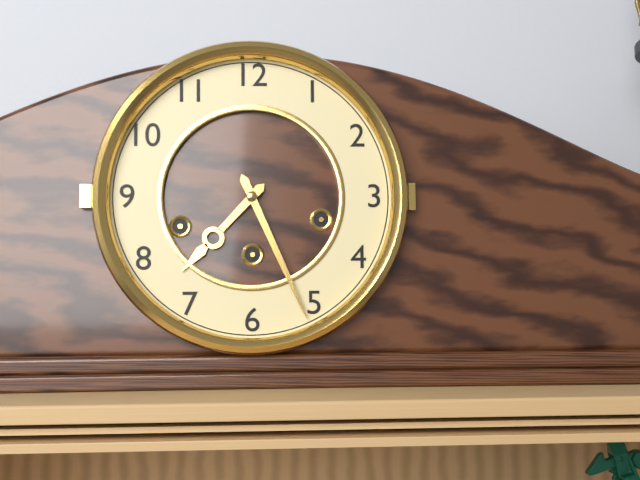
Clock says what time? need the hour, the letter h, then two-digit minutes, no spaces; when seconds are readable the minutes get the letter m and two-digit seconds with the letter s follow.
7h26
